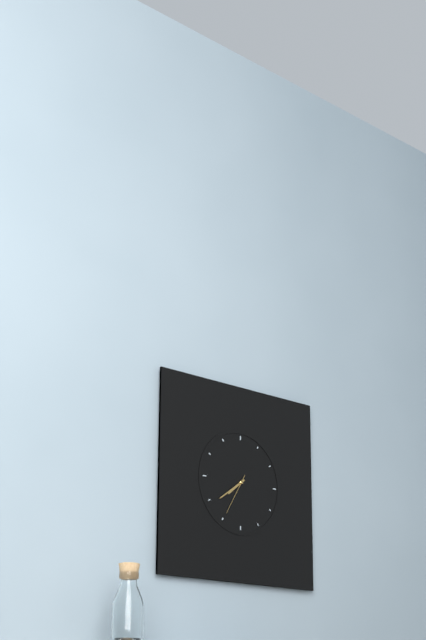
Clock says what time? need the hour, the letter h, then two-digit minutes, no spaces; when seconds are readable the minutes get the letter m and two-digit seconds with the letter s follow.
7h39
